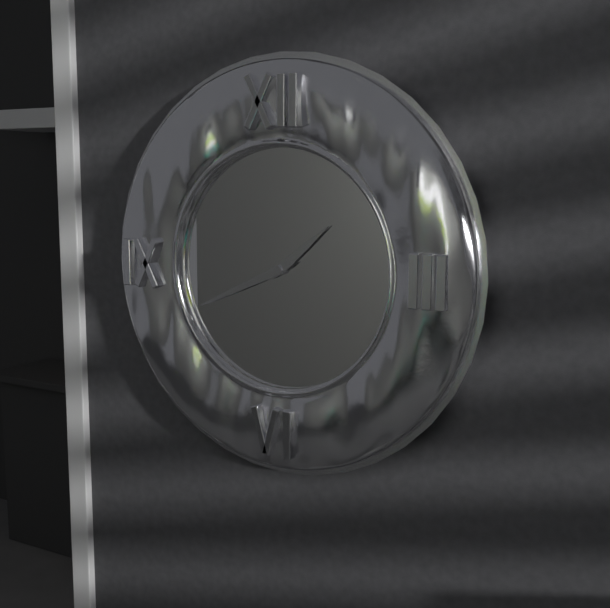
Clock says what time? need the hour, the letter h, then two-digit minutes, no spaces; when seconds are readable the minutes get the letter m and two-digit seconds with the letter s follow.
1h41
